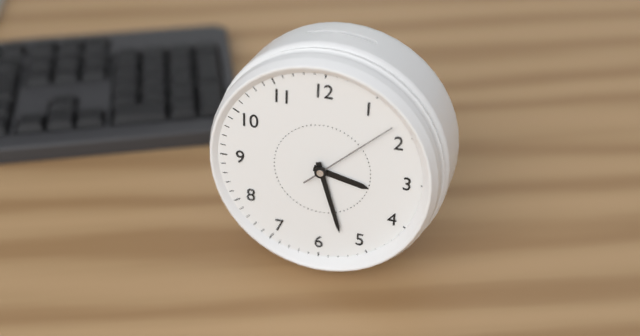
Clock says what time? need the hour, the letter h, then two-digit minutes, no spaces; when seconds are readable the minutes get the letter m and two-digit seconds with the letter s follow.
3h27m08s
